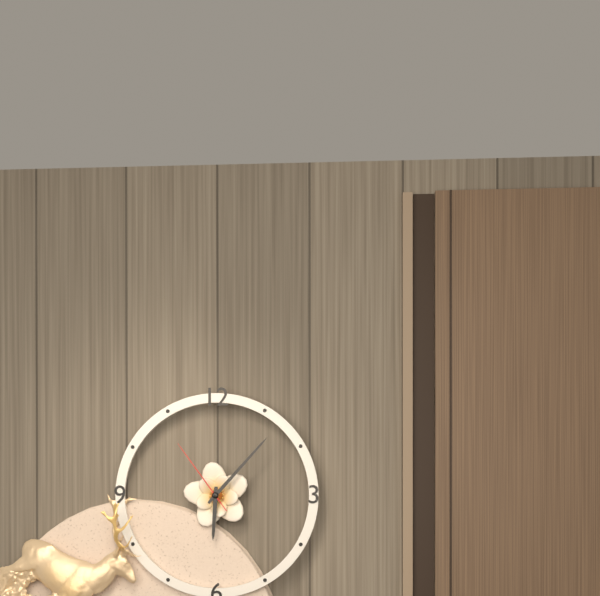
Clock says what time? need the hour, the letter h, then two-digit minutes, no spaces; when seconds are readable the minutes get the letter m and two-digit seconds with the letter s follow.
6h07m54s
